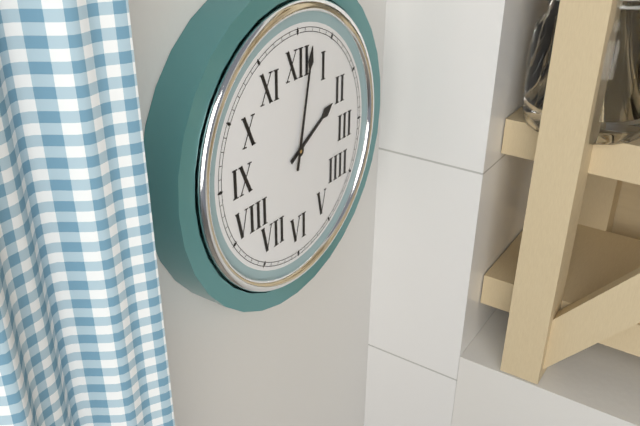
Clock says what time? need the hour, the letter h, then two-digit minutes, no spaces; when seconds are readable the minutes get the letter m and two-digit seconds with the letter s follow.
2h02
